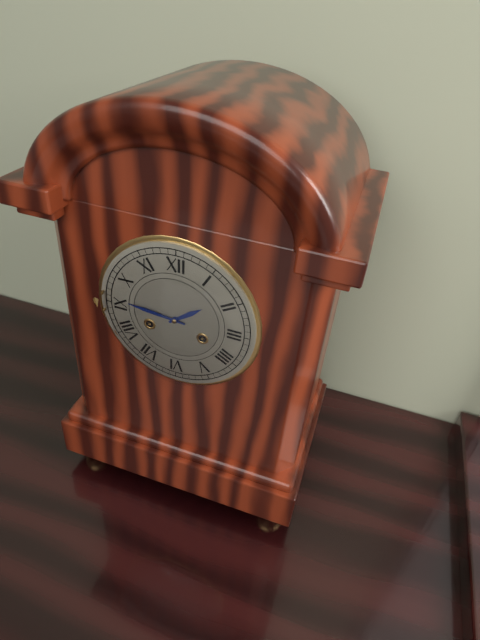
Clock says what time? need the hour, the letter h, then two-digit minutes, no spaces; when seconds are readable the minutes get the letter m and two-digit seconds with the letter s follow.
1h46
